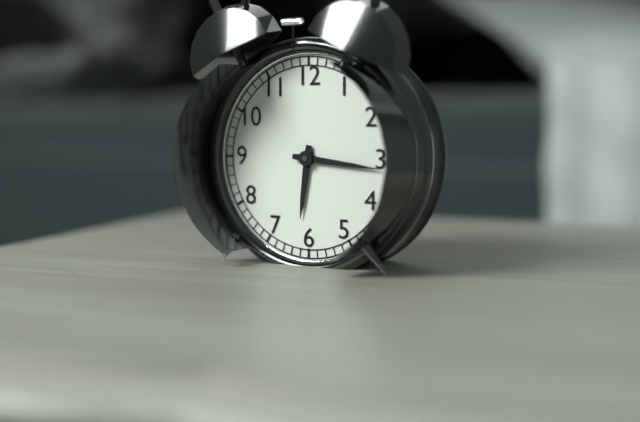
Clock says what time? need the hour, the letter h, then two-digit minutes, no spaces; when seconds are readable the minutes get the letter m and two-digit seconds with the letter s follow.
6h16
